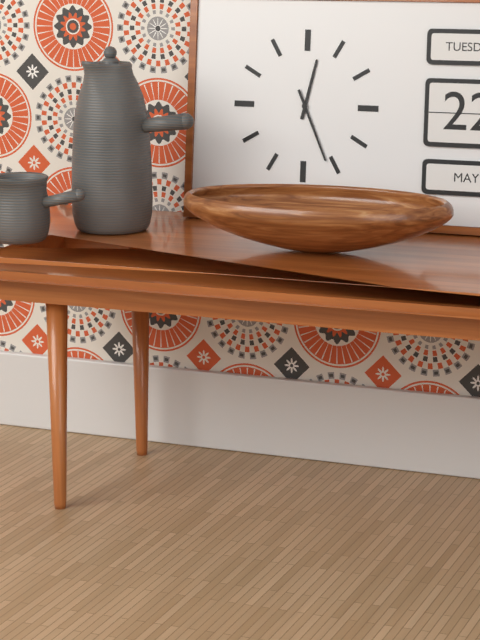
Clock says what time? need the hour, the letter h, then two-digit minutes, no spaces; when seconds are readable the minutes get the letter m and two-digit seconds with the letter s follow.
12h26
